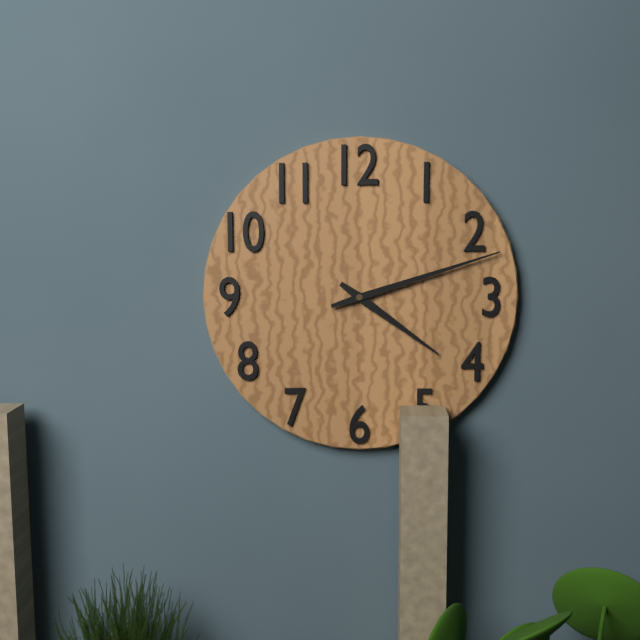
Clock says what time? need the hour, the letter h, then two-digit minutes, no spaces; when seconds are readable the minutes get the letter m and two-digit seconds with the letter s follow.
4h12
